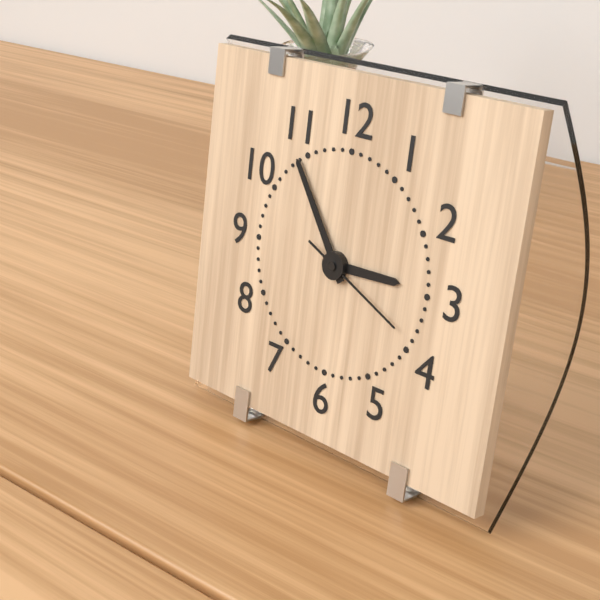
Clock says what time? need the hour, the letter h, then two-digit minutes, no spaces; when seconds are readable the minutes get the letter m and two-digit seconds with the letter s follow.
2h54m19s
